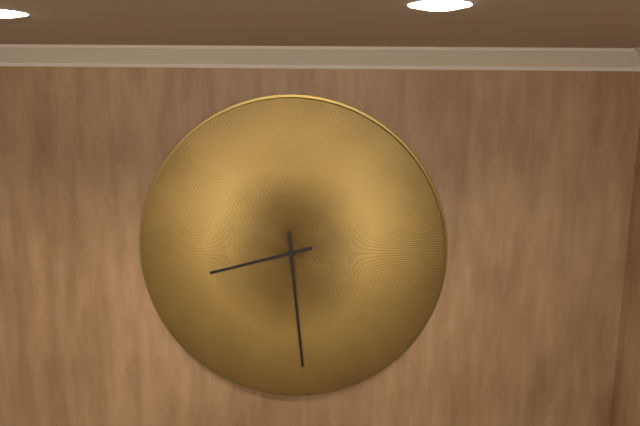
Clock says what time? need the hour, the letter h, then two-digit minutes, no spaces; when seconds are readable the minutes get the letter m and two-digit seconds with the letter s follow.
8h29
